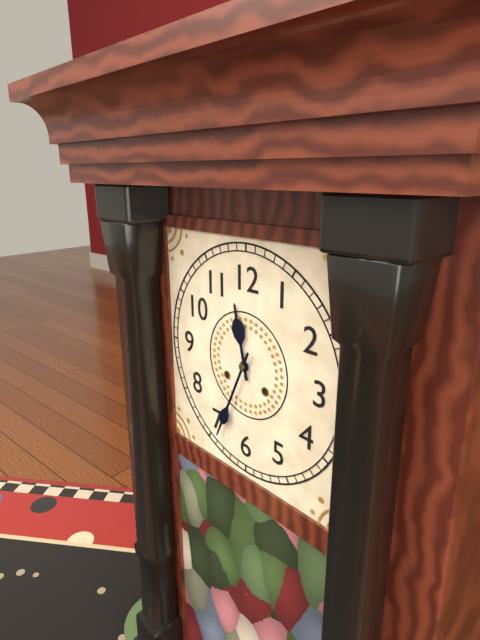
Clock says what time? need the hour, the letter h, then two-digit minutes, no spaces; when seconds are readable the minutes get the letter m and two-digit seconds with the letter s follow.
11h34
